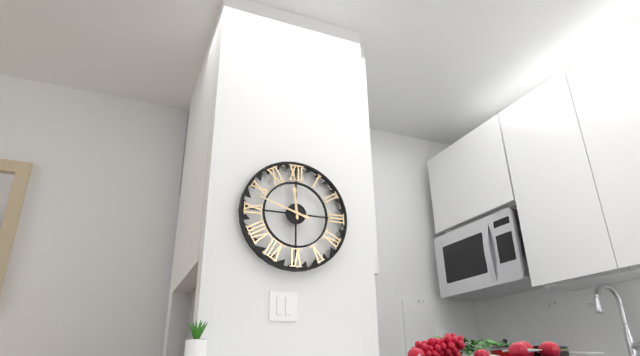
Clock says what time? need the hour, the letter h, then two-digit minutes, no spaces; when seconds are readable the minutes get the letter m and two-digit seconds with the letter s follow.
11h48
